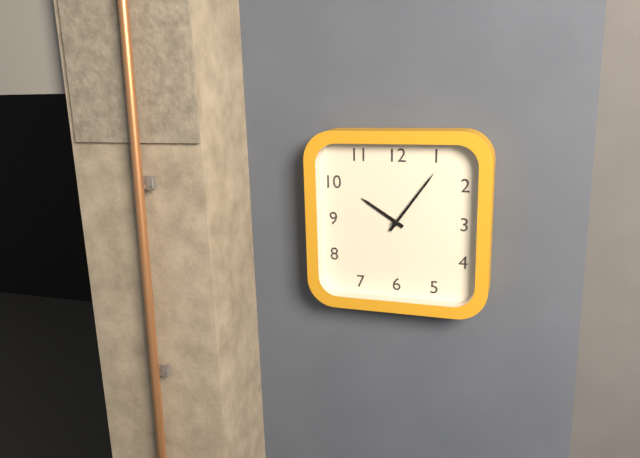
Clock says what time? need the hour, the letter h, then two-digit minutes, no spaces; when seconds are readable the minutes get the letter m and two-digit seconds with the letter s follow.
10h06
